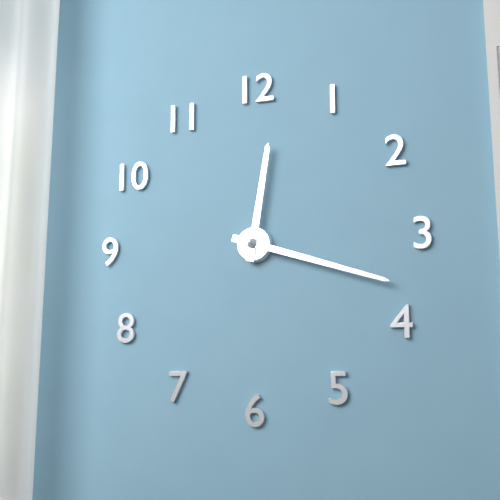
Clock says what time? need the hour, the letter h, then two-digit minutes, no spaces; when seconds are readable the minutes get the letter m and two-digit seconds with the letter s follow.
12h18
